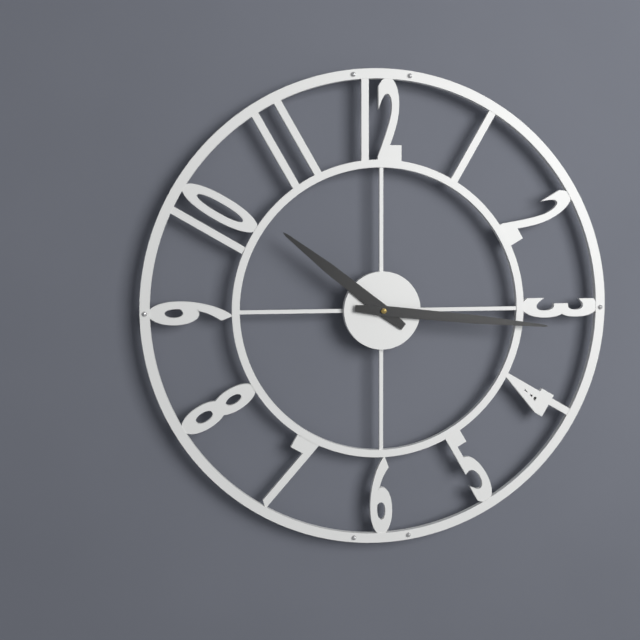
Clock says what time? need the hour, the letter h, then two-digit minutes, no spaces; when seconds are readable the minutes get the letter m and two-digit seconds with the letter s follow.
10h16
